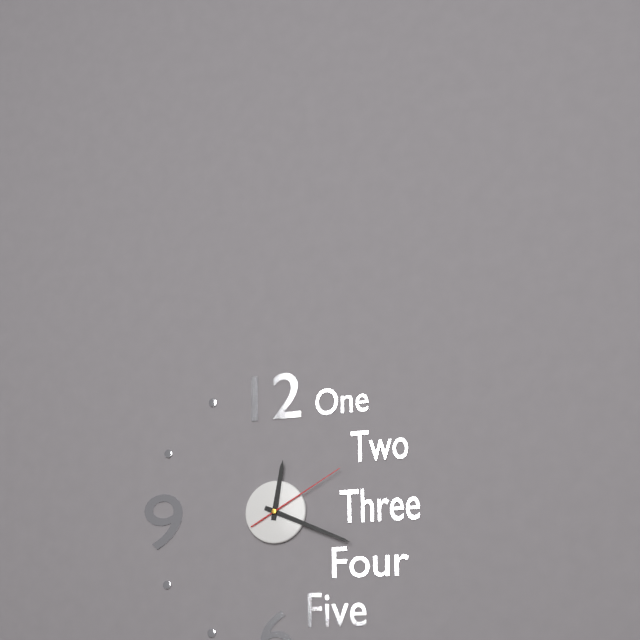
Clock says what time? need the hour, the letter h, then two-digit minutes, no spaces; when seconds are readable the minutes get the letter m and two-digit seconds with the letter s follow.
12h19m10s
